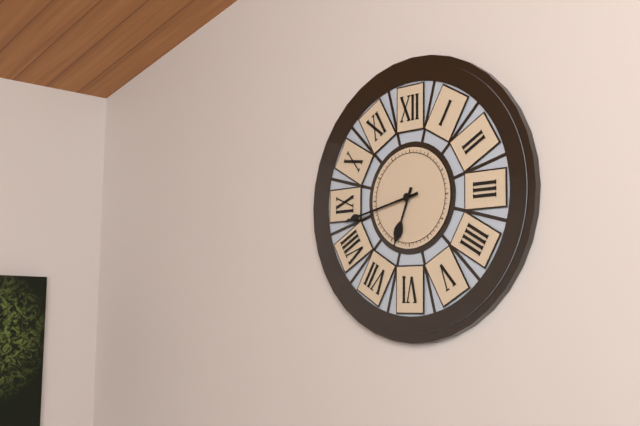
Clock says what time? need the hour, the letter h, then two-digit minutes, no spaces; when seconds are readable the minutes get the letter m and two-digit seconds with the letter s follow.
6h43
